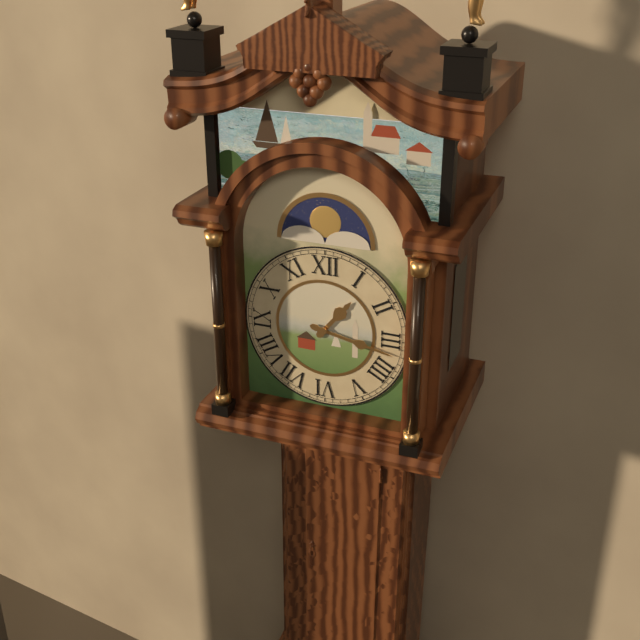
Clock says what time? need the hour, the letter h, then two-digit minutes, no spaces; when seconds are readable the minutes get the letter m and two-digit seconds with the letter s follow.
1h17
